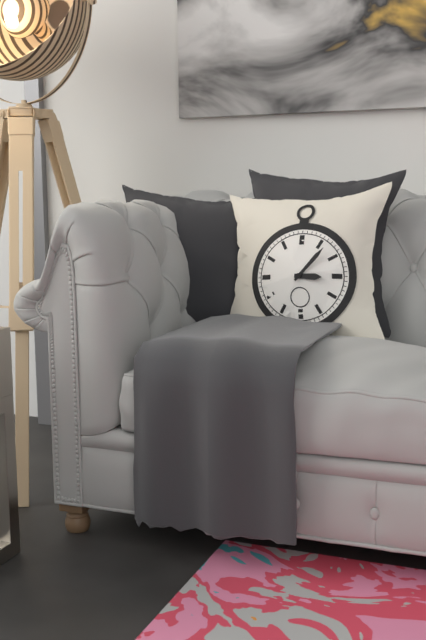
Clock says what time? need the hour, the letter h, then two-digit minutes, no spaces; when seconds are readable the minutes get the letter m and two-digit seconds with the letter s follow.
3h07
